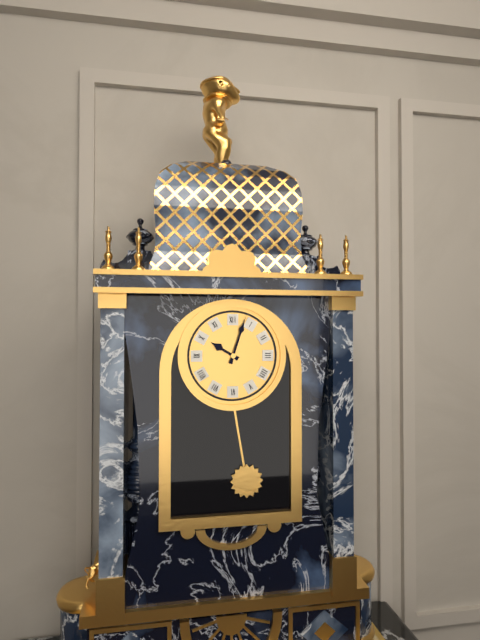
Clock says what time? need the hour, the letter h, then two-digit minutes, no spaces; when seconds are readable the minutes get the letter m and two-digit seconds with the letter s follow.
10h03
